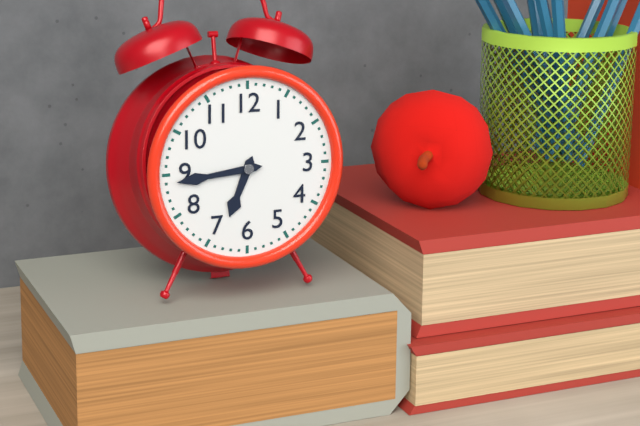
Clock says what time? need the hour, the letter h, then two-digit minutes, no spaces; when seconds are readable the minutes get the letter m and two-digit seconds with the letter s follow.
6h44
